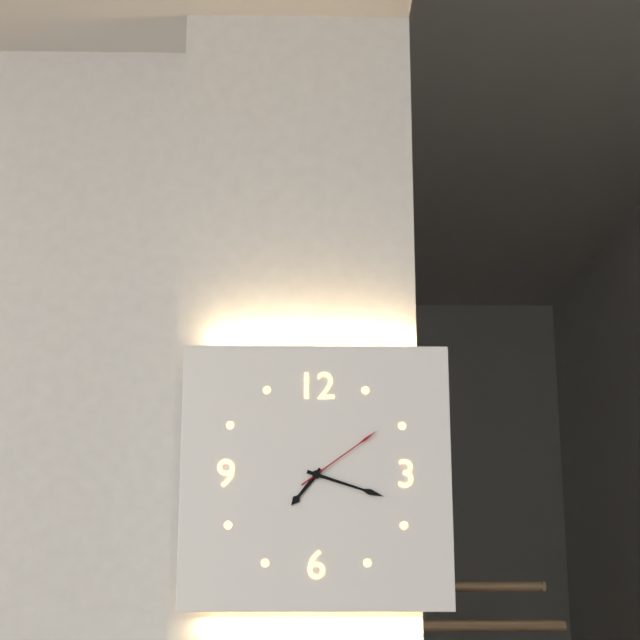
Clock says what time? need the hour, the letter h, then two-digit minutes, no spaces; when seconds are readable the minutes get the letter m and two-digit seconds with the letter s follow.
7h18m09s
